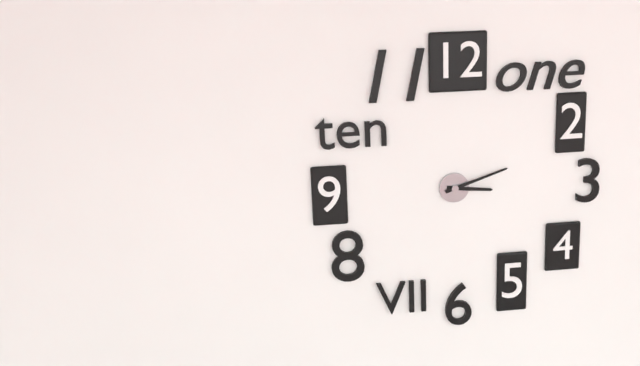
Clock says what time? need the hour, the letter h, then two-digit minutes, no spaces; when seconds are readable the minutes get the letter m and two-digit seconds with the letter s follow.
3h12
